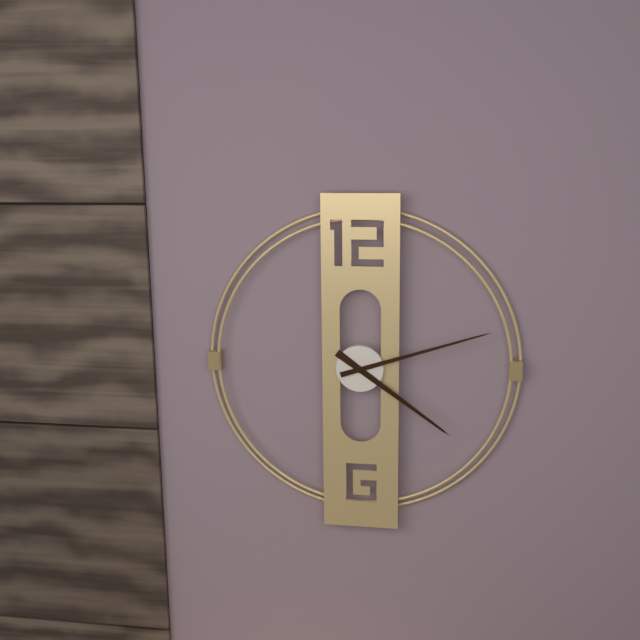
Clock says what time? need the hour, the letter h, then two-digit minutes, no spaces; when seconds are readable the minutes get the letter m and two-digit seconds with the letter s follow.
4h12
